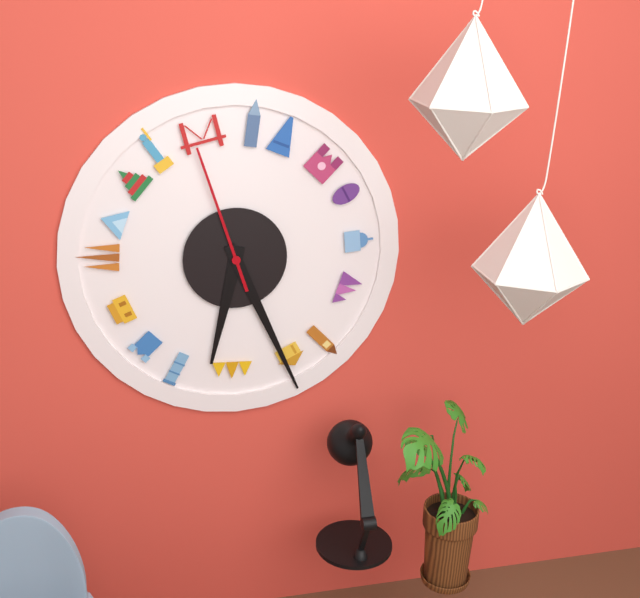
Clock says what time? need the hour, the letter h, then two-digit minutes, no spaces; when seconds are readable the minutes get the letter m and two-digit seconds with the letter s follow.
6h26m57s
